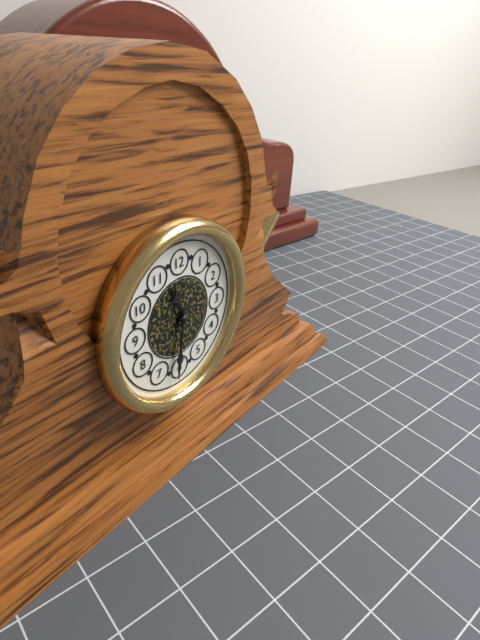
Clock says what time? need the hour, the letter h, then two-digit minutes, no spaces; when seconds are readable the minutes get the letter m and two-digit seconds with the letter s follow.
11h31
